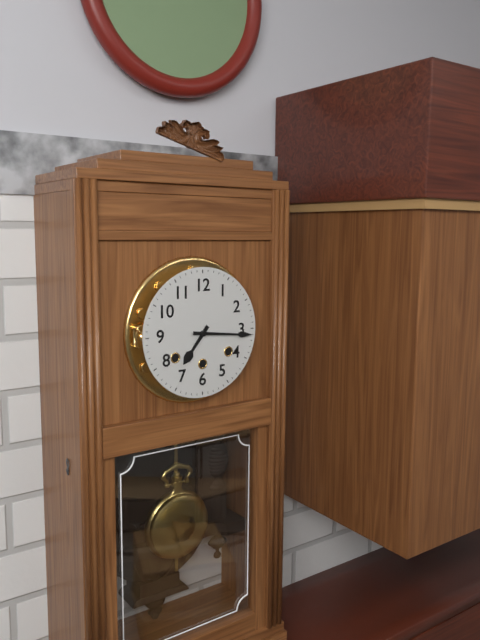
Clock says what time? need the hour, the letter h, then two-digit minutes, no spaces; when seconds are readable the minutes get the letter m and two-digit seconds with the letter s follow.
7h16
